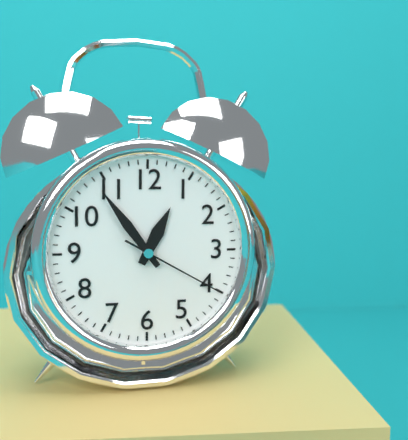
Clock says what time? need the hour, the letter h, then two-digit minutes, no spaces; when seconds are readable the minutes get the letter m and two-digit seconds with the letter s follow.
12h54m20s
